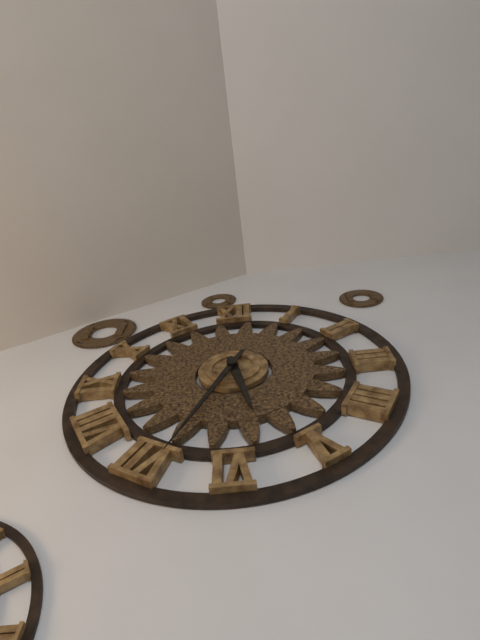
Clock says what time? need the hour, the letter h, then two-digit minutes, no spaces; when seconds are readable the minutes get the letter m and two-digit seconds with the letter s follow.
5h34
